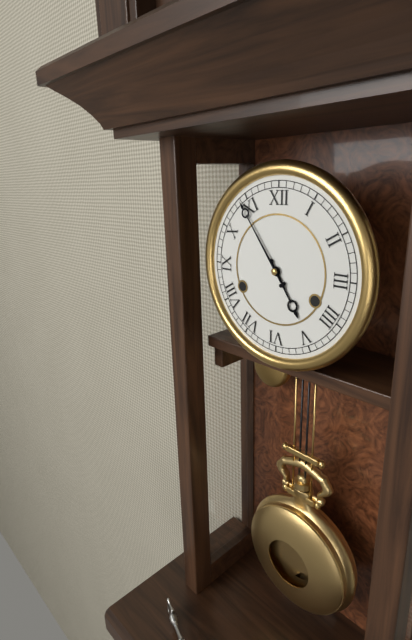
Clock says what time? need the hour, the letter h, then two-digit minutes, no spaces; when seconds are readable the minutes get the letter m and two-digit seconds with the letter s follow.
4h54
